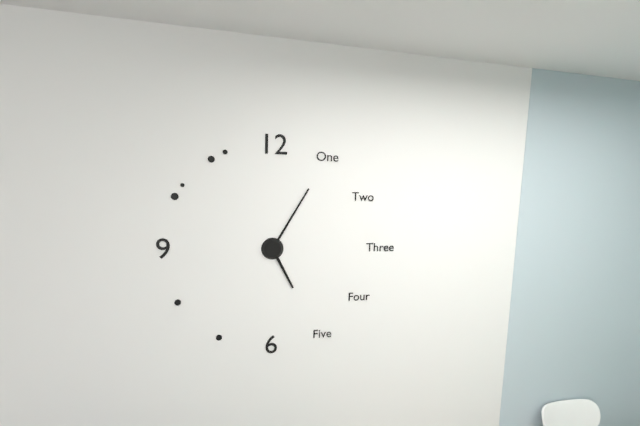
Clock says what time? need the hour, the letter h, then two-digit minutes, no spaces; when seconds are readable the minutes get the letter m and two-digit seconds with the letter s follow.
5h05
